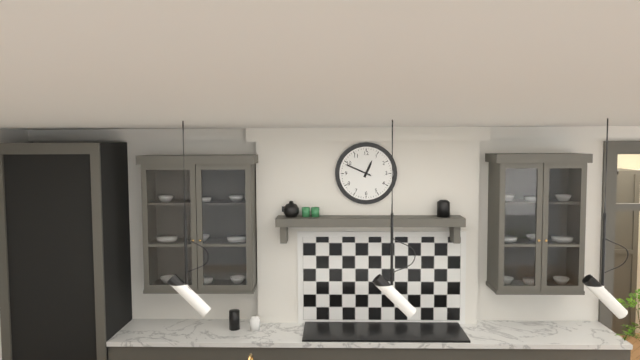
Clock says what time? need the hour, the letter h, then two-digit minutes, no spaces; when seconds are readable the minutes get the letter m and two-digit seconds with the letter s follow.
12h49
